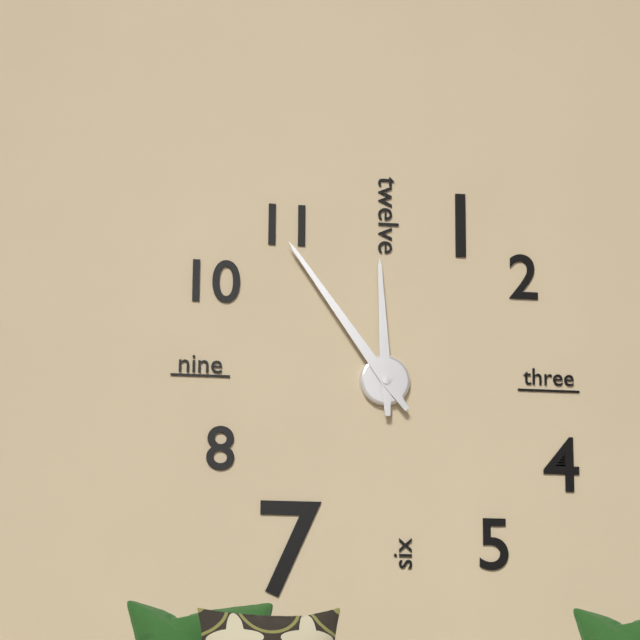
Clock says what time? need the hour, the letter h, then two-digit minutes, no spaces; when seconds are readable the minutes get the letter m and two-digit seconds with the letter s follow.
11h54
